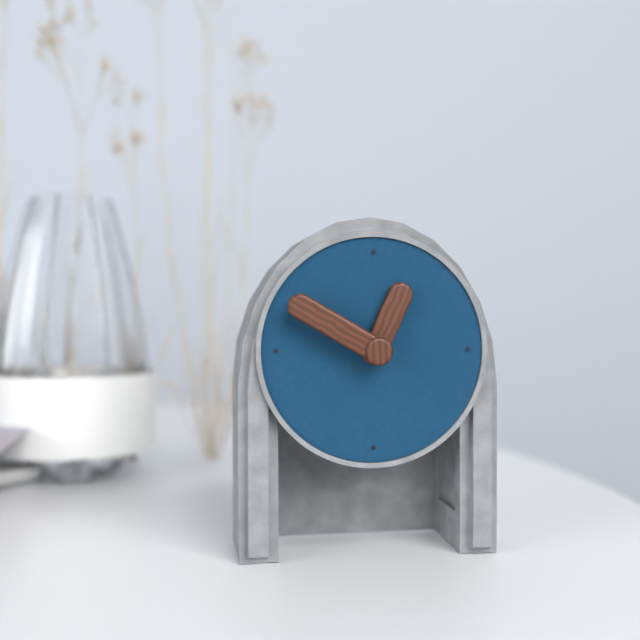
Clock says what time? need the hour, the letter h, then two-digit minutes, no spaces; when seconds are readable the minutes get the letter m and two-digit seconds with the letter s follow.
12h50
